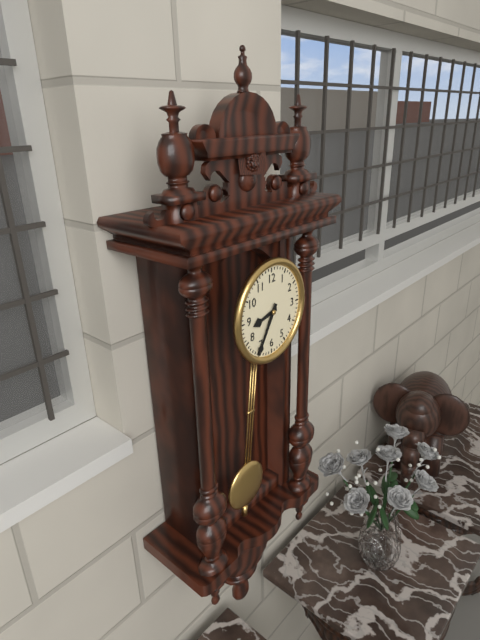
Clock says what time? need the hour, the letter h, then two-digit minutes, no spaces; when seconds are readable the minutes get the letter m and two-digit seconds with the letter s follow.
8h35
